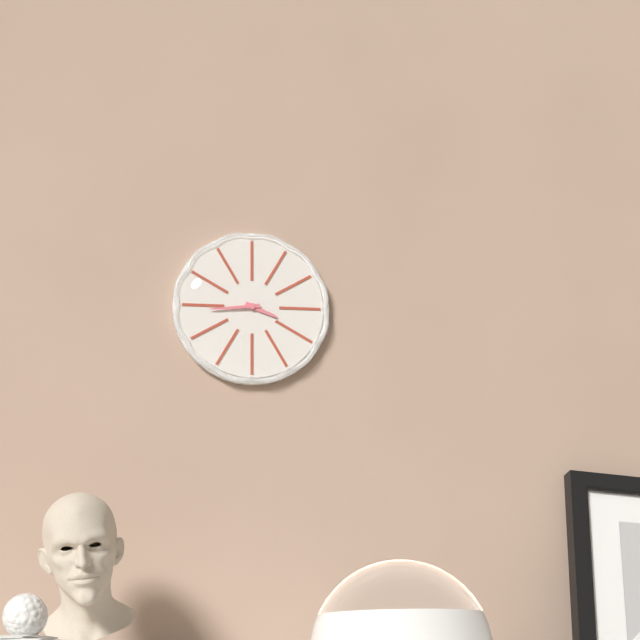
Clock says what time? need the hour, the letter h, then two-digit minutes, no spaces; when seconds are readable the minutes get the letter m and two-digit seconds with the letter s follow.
3h44
